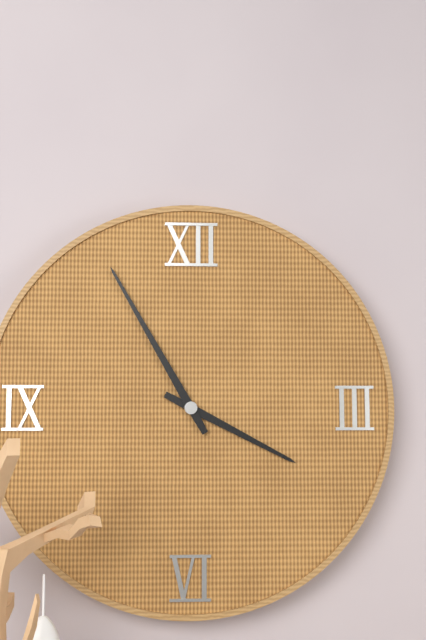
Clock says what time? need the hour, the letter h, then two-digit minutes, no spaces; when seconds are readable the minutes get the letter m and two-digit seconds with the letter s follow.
3h55
